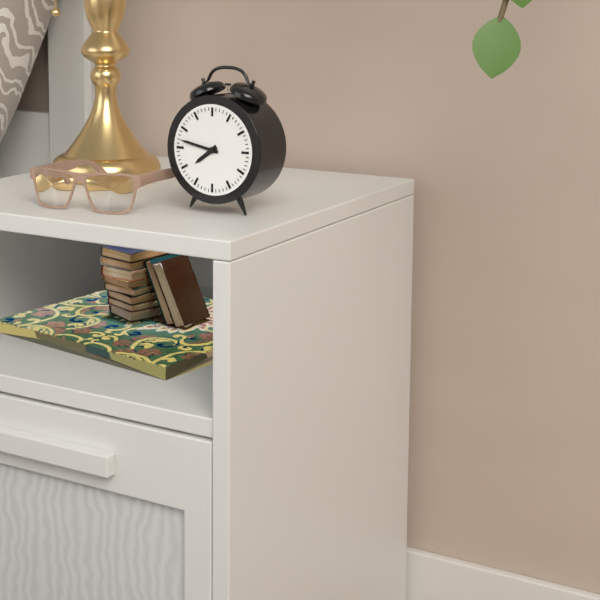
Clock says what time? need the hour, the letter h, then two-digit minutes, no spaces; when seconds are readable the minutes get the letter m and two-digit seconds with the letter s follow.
7h47
